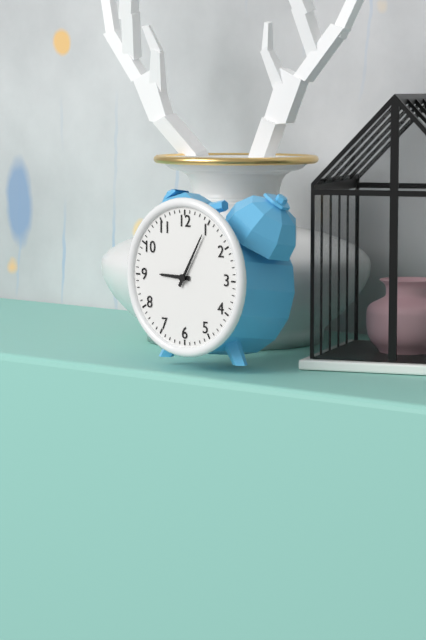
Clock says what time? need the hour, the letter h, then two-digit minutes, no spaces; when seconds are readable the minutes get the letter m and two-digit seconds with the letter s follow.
9h05
